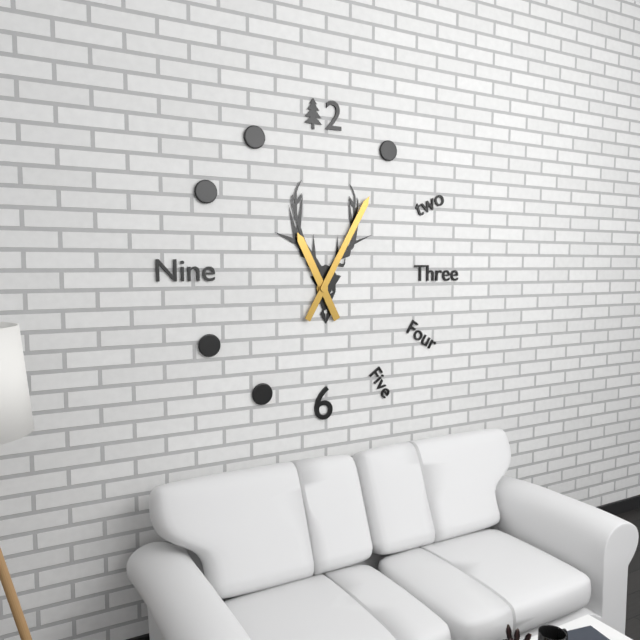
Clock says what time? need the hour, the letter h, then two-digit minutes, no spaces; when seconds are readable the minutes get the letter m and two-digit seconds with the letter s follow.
11h05
